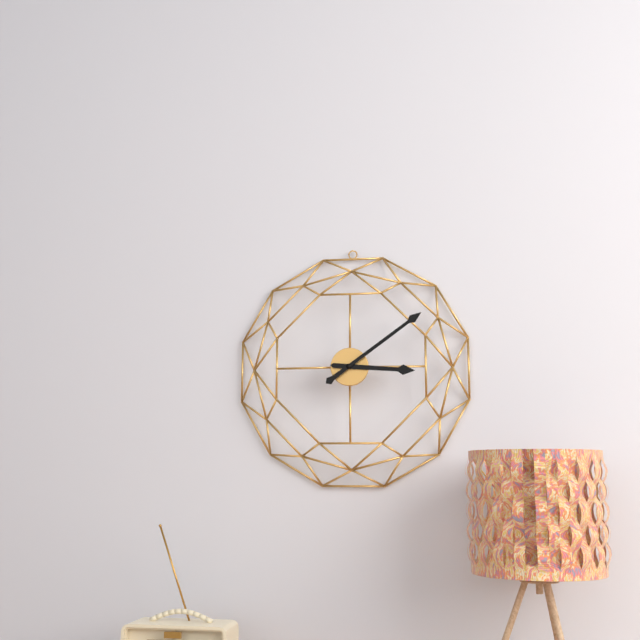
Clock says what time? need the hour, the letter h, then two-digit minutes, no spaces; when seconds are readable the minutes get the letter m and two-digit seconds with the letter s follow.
3h09
